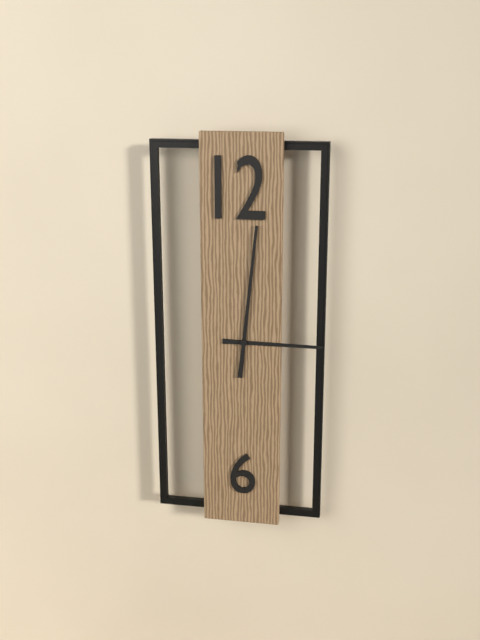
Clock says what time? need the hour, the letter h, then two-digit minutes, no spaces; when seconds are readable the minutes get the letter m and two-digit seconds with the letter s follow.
3h01
